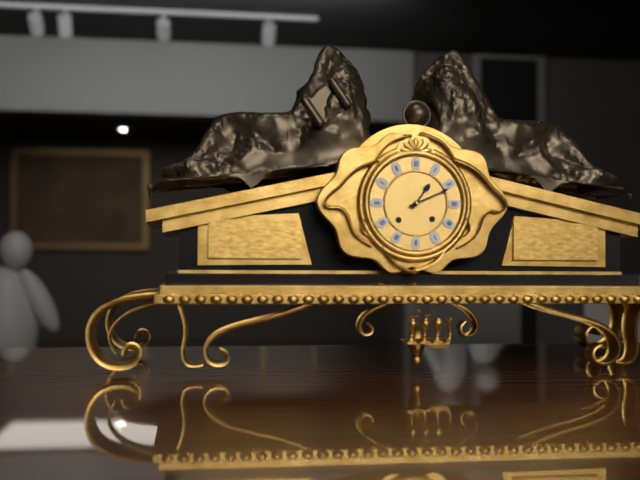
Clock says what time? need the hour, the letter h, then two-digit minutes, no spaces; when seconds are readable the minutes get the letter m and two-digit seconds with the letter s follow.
1h11
